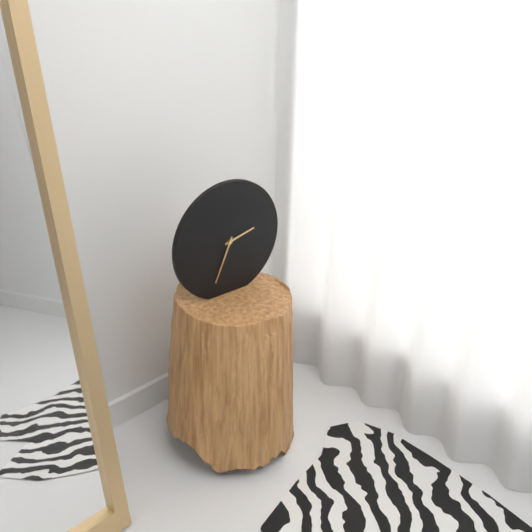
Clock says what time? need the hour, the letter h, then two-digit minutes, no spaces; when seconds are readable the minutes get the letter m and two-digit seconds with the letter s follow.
2h34
